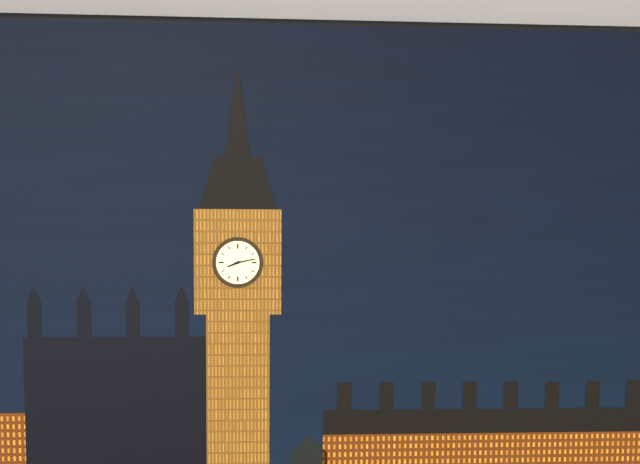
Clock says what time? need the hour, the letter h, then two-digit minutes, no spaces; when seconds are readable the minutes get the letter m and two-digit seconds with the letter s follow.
8h13
